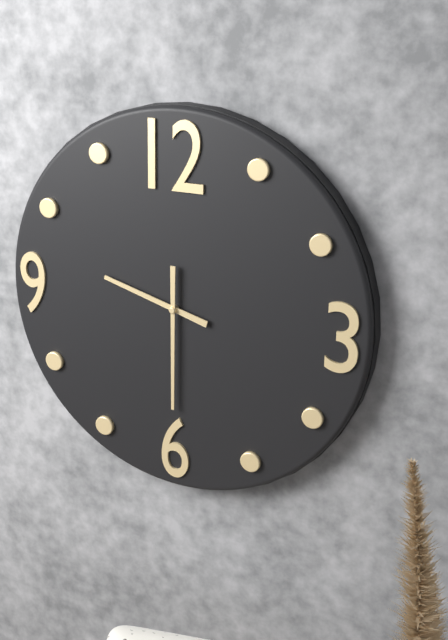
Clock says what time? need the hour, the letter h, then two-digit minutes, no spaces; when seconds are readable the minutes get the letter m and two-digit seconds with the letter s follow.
9h30
